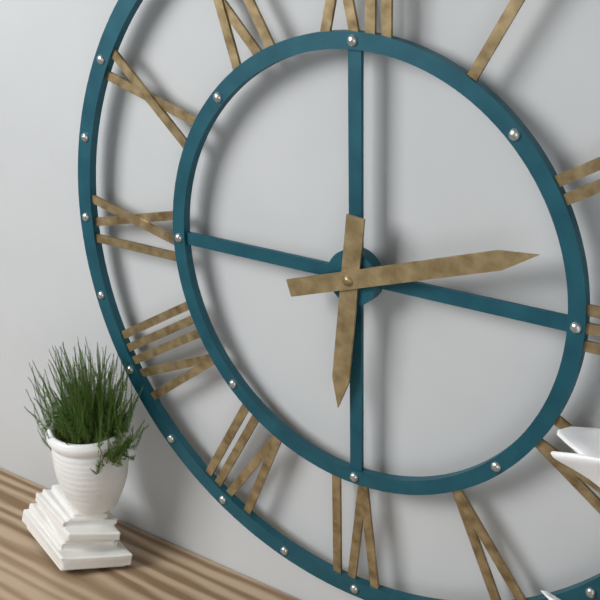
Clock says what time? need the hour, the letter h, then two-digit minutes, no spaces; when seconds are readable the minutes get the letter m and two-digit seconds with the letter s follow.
6h12
